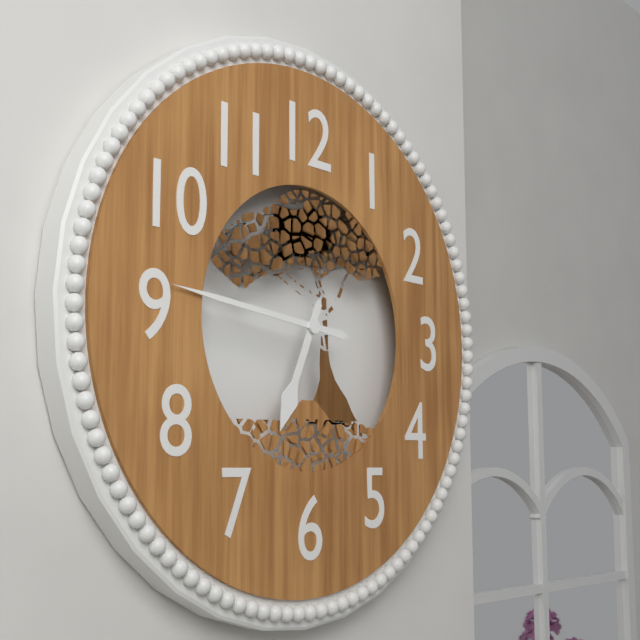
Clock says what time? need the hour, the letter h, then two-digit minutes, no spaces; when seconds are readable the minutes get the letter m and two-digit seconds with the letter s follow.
6h46
